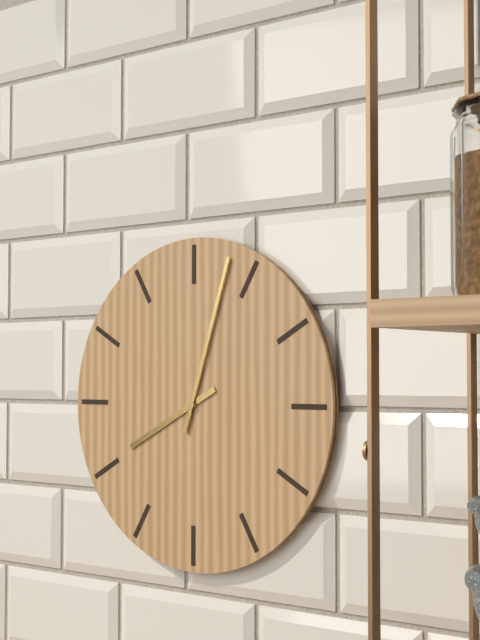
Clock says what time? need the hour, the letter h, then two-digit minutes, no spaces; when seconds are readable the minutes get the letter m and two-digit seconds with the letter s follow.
8h03
